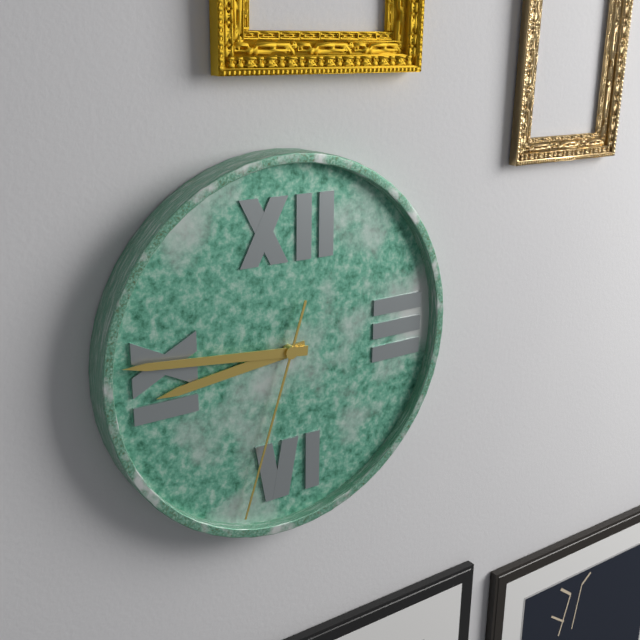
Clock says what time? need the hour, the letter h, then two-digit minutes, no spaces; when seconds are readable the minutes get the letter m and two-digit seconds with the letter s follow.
8h46m33s
